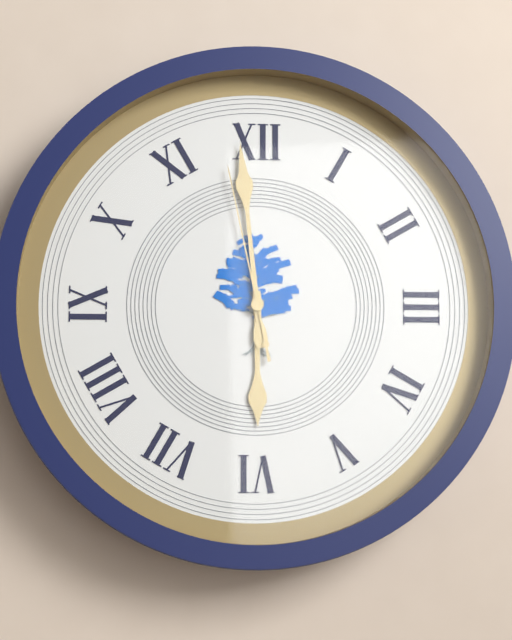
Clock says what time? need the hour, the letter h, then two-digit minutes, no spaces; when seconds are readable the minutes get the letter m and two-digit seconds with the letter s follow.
5h59m58s
